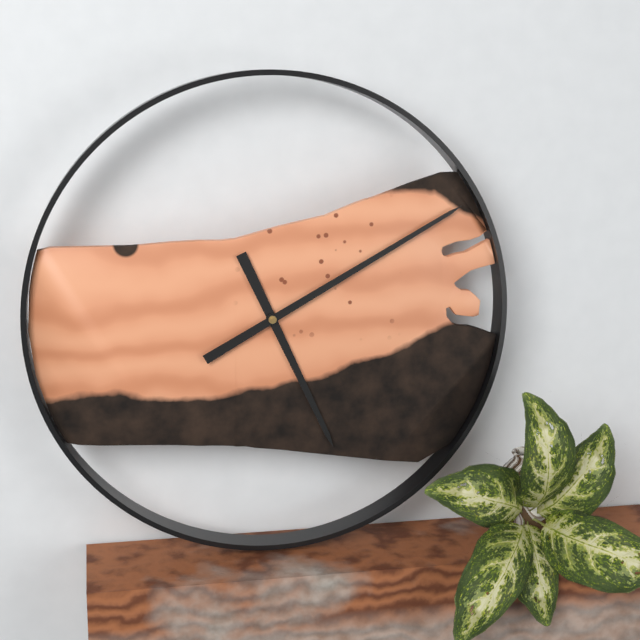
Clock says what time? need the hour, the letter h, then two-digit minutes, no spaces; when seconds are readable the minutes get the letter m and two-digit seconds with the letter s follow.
5h10
